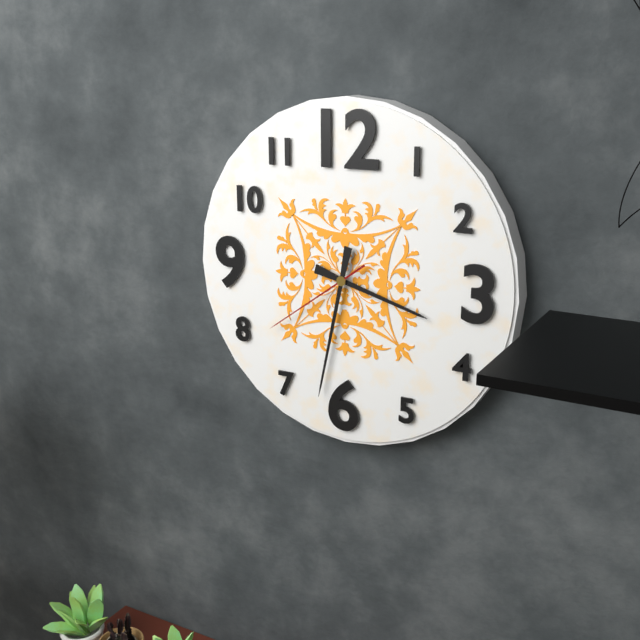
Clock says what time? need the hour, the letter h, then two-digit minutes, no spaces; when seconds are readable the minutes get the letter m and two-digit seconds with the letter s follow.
3h32m39s
